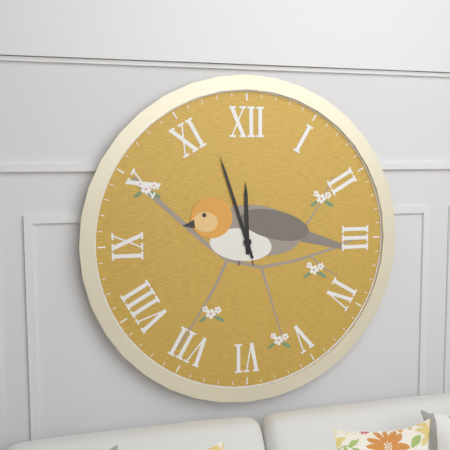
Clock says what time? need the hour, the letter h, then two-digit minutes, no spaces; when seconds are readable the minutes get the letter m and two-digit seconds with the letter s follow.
11h57
